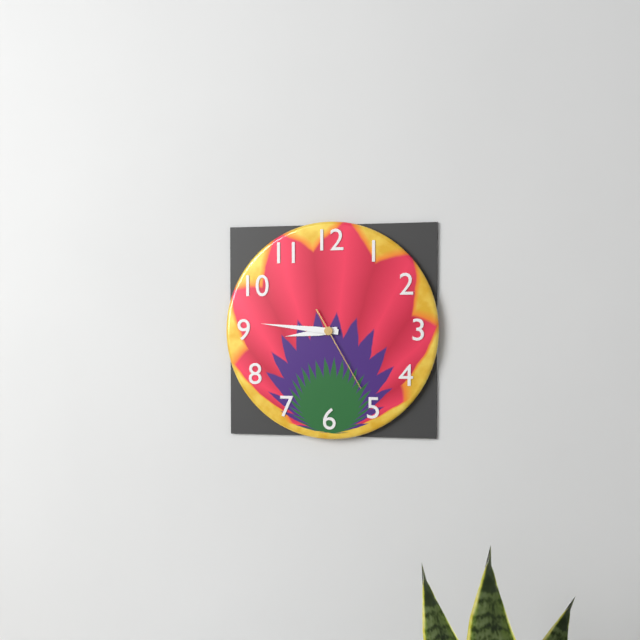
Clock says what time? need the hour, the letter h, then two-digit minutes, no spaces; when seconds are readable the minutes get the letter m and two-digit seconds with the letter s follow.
8h46m25s
